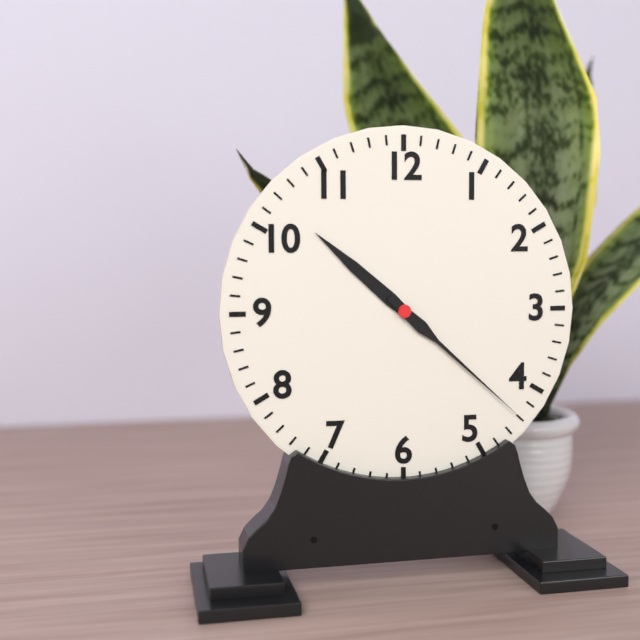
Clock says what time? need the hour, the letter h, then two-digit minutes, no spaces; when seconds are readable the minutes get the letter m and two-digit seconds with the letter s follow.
10h22
